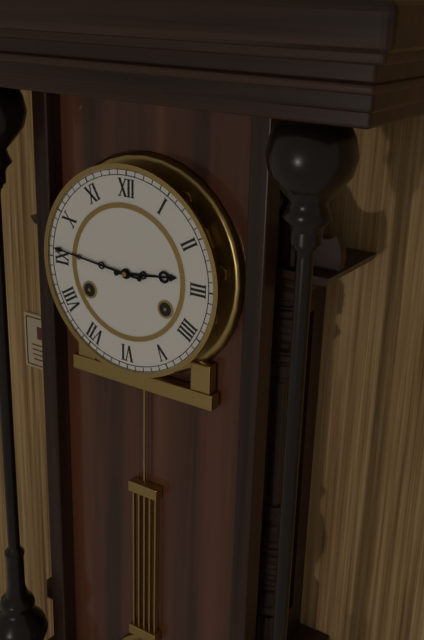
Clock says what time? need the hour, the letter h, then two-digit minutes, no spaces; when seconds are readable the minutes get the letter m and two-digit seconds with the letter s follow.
2h46
